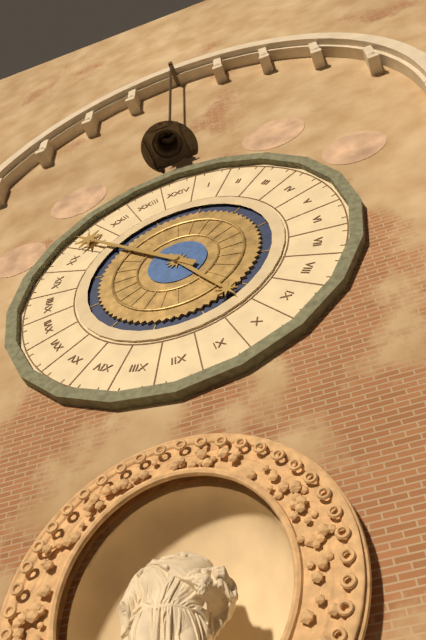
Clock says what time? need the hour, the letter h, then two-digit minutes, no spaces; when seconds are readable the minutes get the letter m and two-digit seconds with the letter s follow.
4h52
